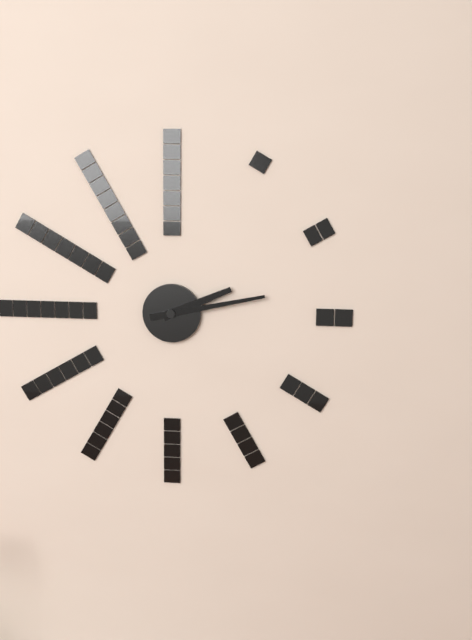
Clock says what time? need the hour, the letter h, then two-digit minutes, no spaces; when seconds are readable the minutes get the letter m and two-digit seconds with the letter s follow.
2h13
